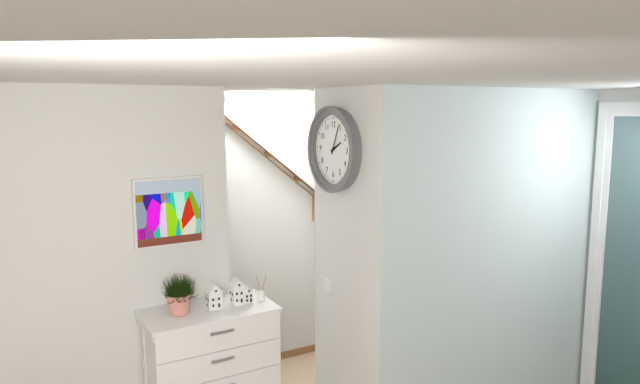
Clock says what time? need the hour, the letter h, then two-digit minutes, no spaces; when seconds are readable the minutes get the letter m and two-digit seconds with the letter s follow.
2h04
